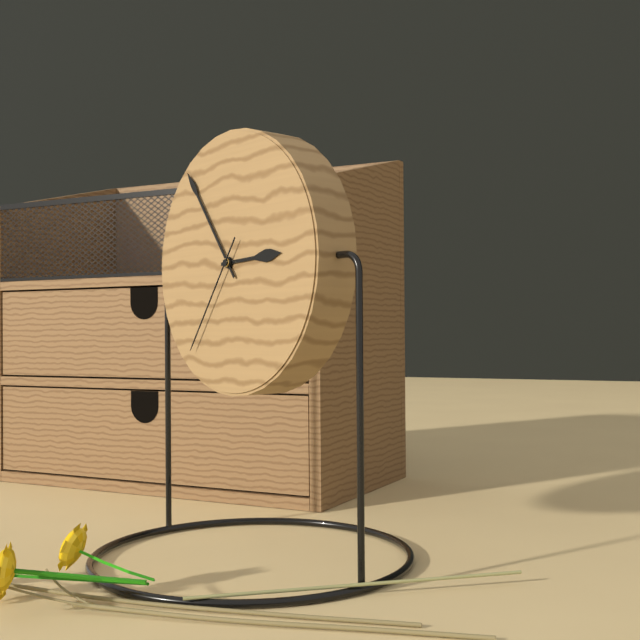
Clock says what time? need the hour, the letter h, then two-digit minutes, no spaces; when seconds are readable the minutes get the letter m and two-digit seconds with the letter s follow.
2h54m36s
